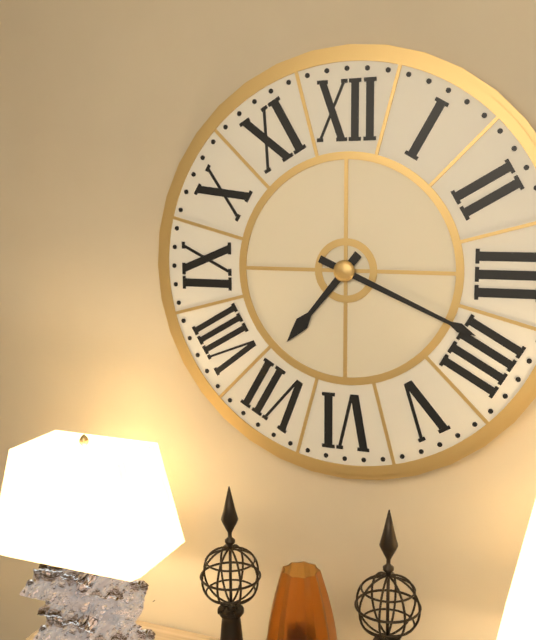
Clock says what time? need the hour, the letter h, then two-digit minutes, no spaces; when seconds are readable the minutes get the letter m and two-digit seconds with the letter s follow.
7h19
